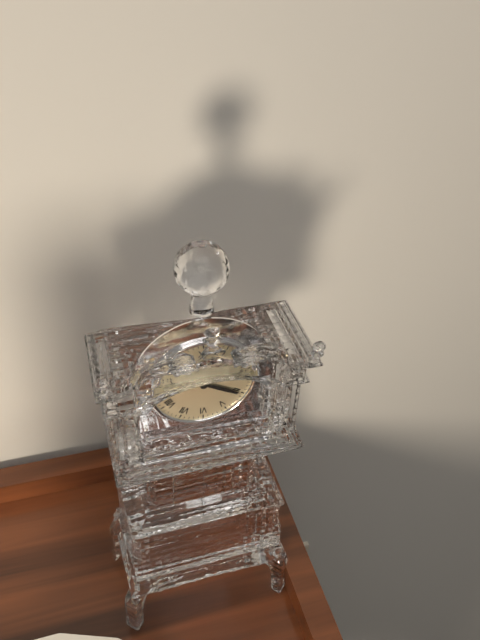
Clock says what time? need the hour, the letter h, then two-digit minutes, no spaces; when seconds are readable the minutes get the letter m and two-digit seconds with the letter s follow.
9h20
